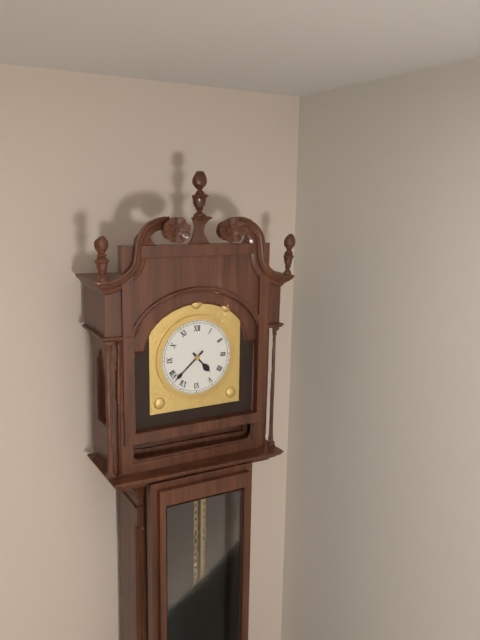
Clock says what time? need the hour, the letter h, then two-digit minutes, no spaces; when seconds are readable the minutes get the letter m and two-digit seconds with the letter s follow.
4h38
